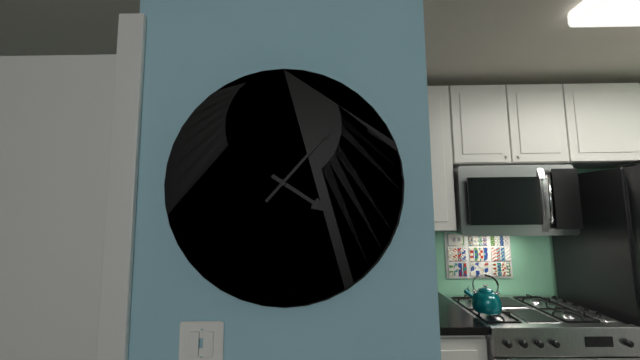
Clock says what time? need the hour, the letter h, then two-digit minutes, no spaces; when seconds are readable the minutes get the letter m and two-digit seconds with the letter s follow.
4h07
